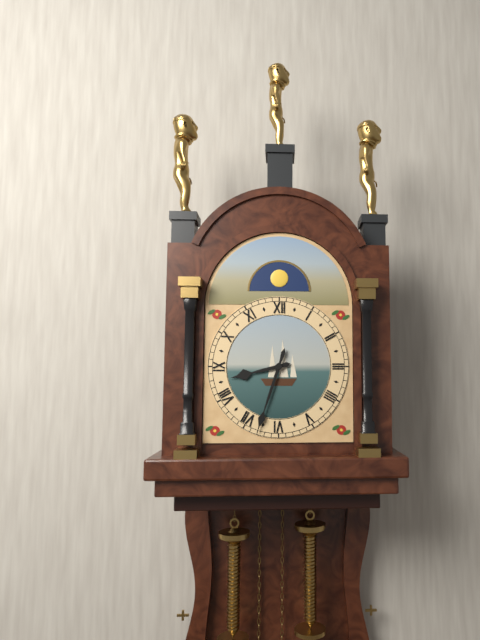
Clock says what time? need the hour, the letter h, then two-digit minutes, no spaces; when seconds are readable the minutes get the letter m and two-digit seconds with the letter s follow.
8h33
